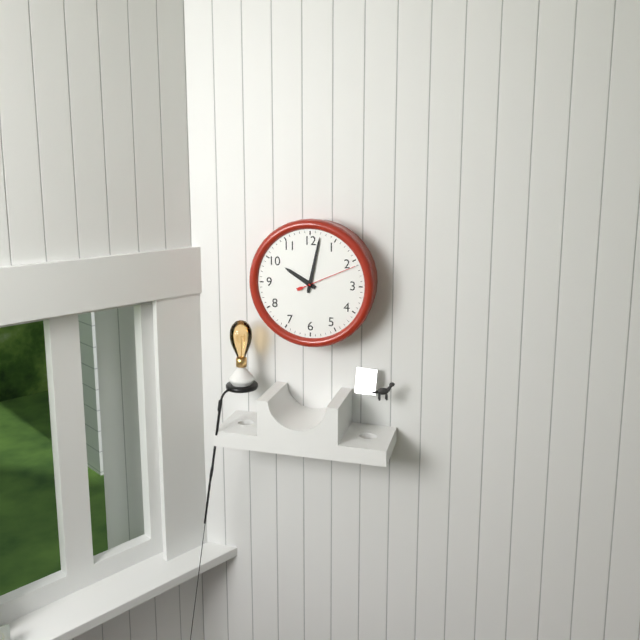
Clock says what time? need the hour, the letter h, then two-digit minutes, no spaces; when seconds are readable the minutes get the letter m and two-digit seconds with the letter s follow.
10h02
